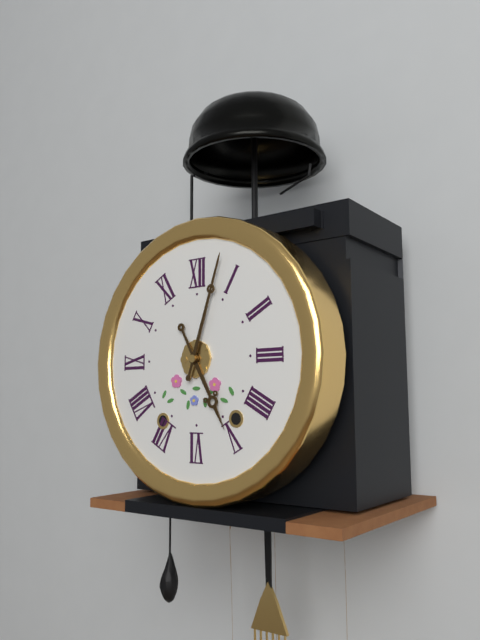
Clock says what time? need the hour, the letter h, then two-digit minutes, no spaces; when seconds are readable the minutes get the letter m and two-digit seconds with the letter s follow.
5h03
